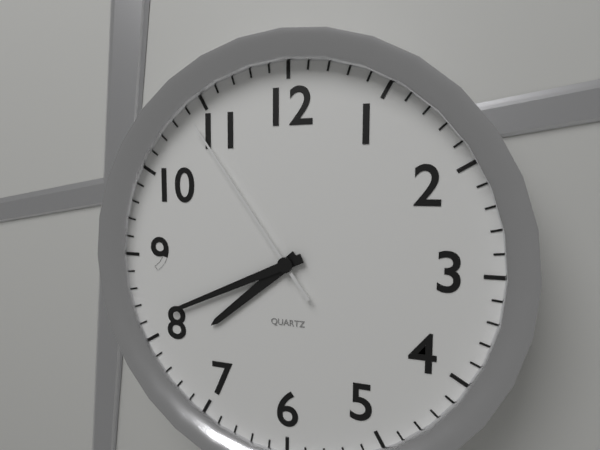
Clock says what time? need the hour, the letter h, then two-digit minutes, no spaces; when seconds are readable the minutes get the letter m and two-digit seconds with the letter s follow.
7h41m54s
